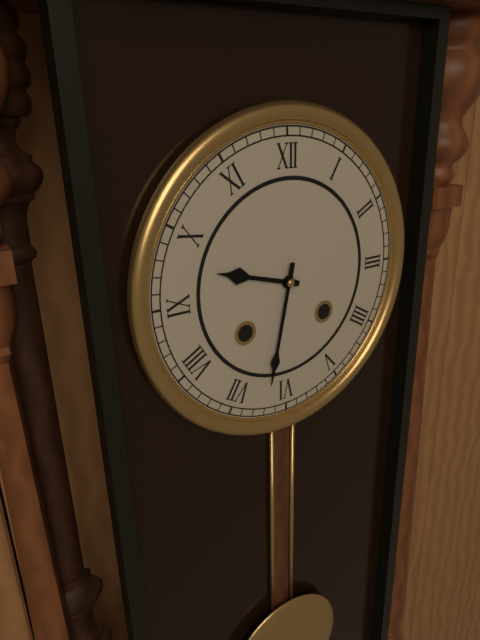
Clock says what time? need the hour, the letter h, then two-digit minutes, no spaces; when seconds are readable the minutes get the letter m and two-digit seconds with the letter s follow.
9h32
